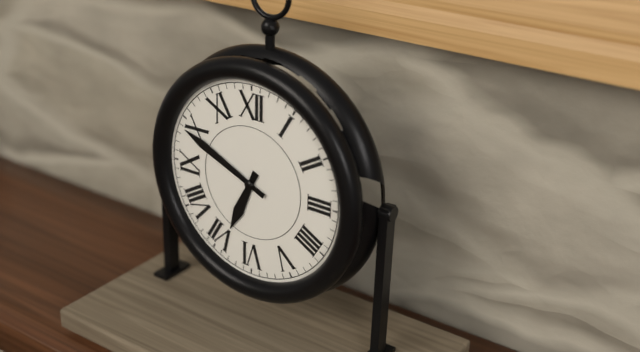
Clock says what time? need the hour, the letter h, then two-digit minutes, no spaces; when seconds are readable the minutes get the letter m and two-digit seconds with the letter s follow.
6h49
